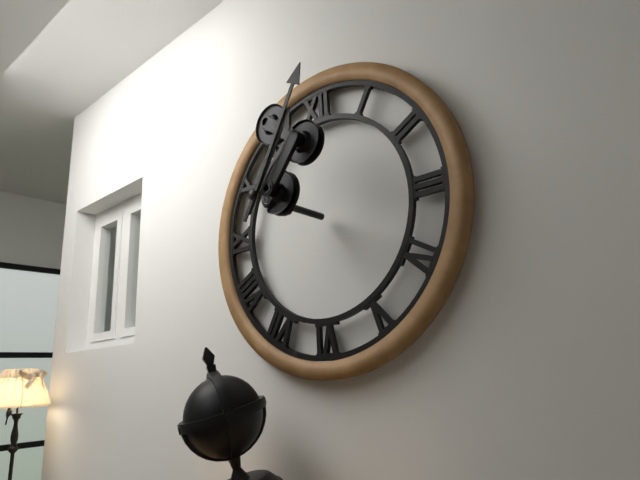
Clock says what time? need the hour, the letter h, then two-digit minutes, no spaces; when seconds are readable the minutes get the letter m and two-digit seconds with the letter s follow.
1h05
